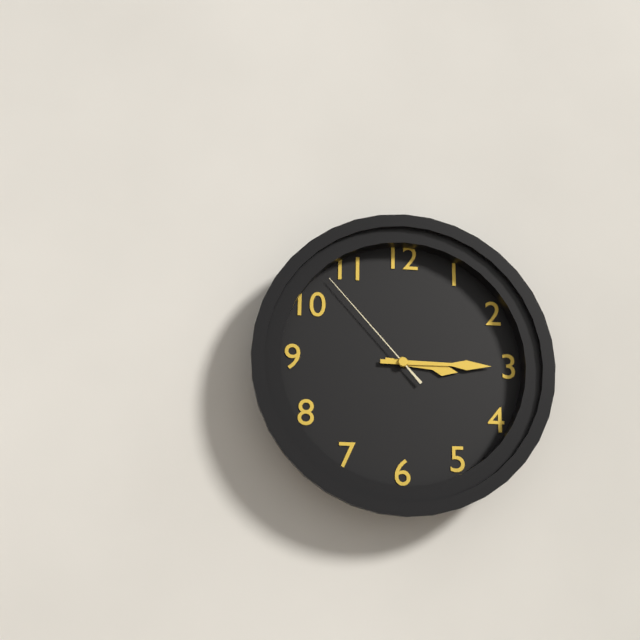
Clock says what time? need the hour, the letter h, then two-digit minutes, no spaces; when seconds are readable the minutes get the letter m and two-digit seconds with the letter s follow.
3h15m53s
